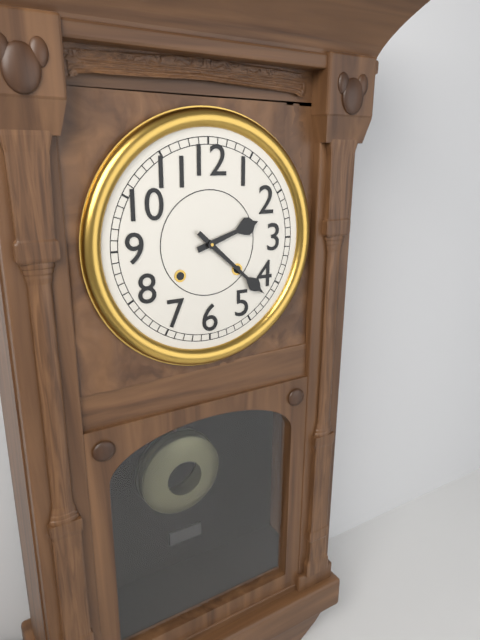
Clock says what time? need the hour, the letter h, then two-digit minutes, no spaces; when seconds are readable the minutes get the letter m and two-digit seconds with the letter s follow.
2h22
